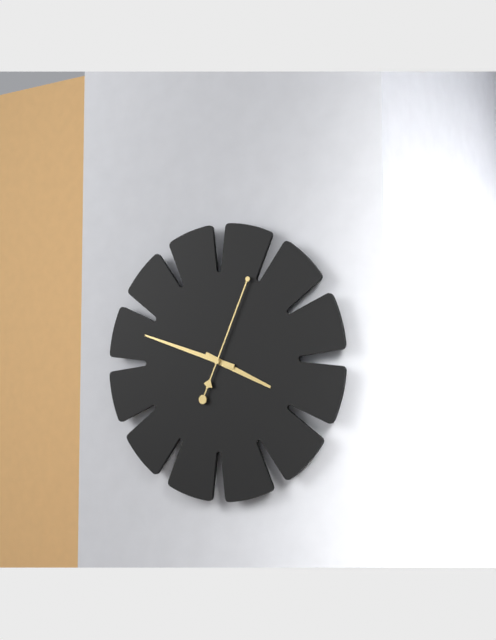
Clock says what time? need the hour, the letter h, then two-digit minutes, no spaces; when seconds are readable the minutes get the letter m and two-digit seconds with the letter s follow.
3h48m04s
